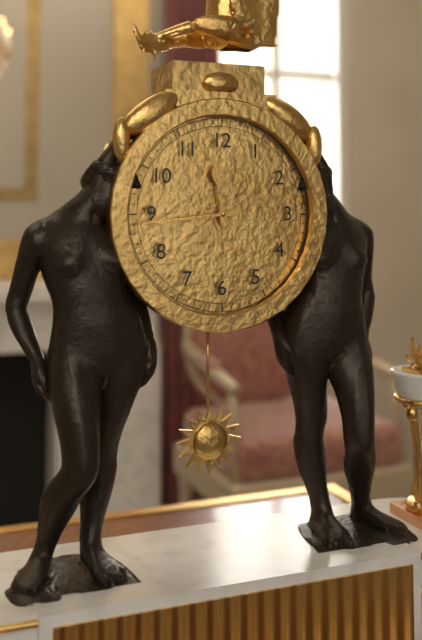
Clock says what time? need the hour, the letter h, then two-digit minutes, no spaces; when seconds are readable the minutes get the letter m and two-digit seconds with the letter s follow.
11h44
